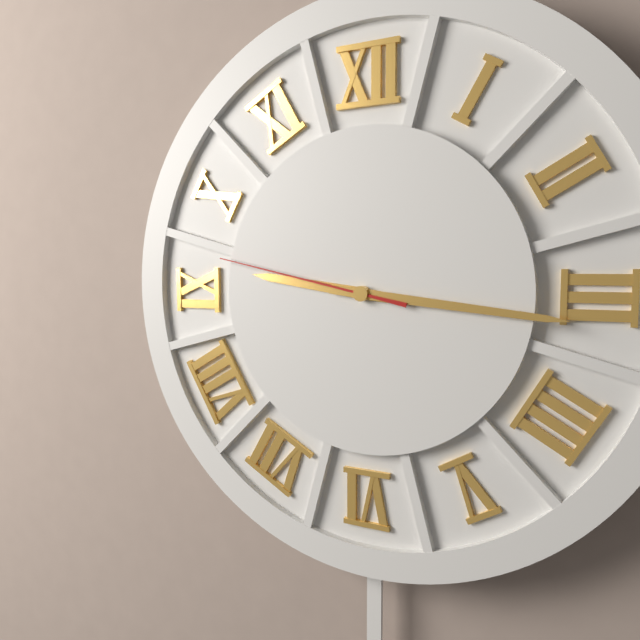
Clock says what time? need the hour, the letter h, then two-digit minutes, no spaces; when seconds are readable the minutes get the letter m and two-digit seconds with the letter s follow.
9h16m47s
